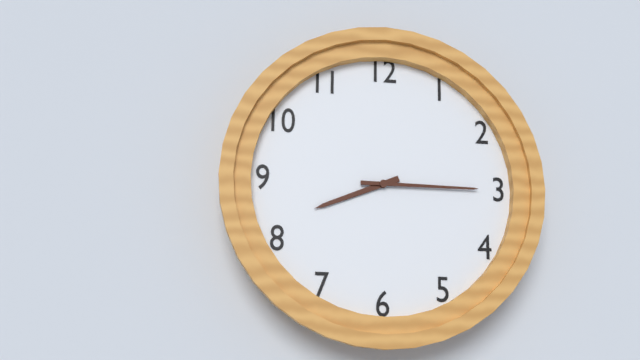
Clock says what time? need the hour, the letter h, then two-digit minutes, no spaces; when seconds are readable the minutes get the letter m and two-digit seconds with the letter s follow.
8h15
